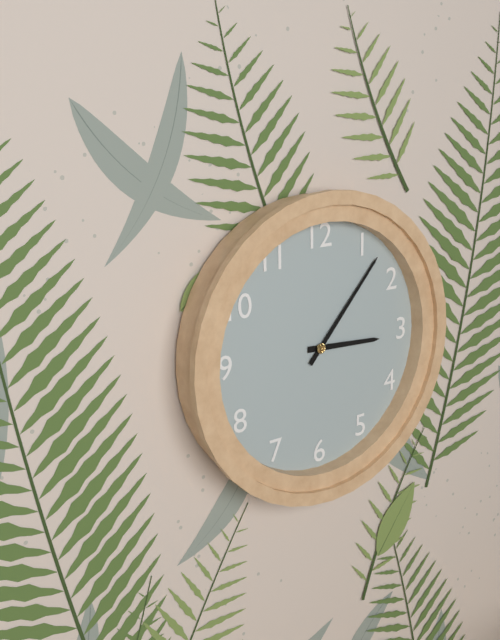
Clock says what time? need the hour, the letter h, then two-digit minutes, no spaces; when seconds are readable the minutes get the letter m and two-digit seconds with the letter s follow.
3h07
